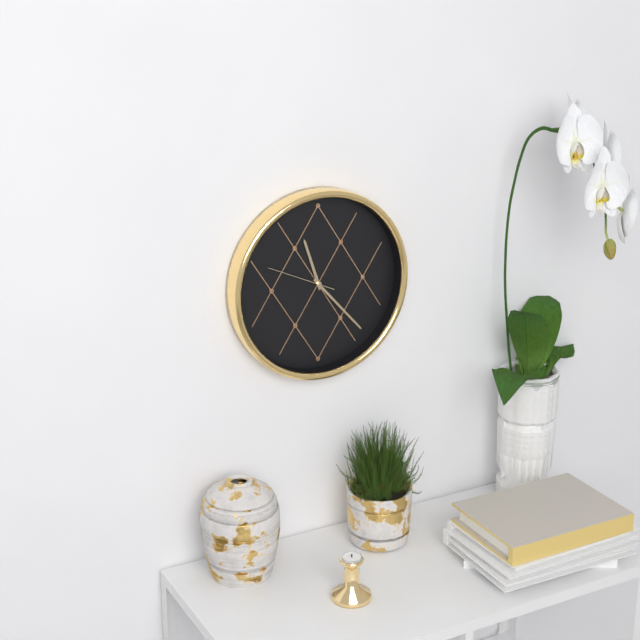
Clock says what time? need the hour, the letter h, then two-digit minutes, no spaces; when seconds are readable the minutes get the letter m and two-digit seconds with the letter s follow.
11h23m49s
